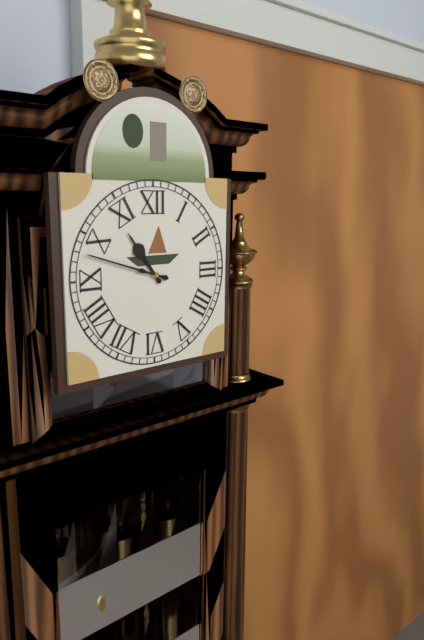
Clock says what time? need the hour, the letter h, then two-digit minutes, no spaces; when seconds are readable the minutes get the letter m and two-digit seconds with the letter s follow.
10h48
